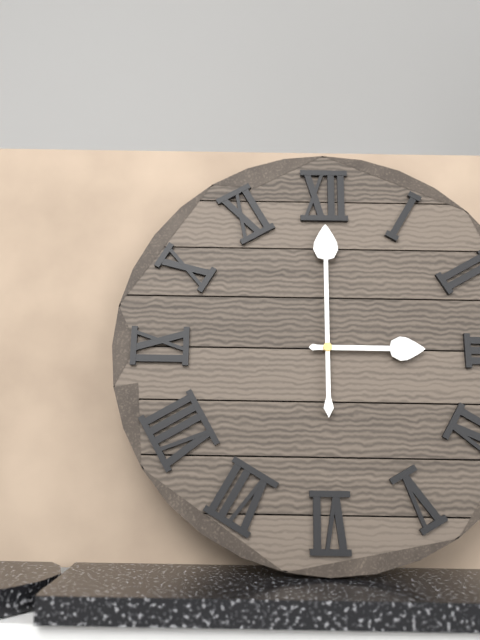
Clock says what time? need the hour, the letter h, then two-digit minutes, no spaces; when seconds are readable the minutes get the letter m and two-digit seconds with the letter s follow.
3h00
